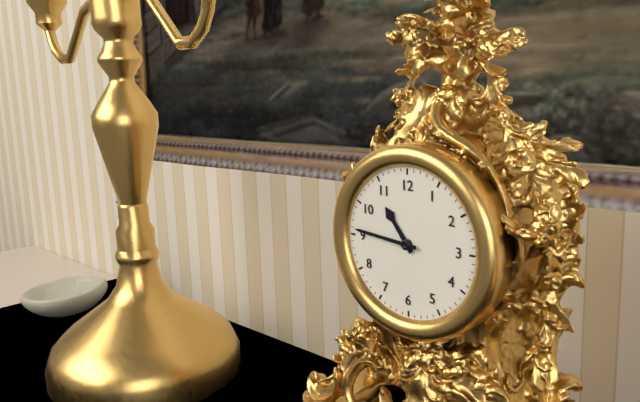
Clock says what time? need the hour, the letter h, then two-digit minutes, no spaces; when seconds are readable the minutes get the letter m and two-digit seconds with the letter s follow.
10h46
